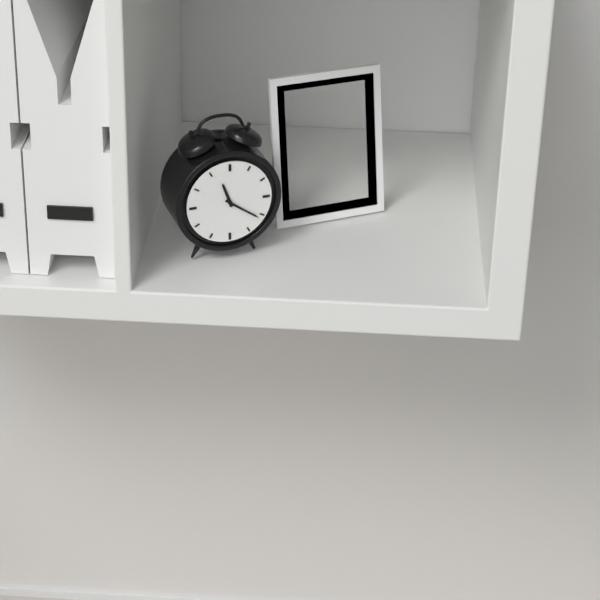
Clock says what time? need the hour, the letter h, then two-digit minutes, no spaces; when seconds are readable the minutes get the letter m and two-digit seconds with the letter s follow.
11h21
